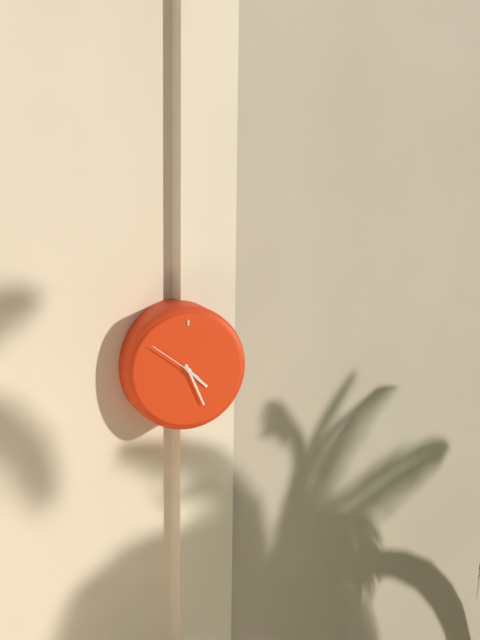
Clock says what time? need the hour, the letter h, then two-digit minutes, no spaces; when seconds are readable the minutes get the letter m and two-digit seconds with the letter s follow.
4h26m51s
